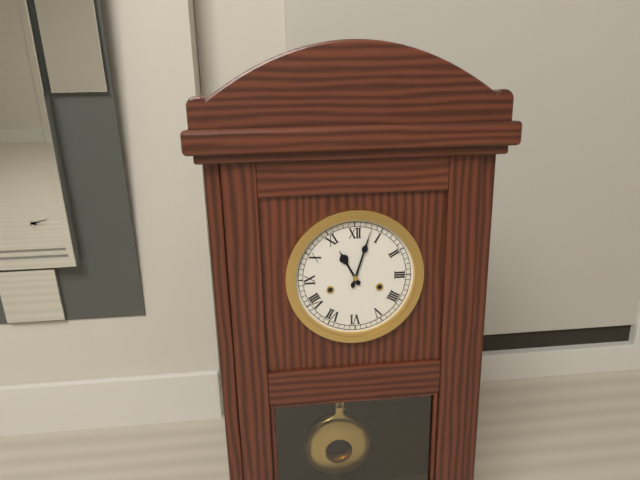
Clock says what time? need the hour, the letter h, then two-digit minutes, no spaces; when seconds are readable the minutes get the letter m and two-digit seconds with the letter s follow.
11h03
